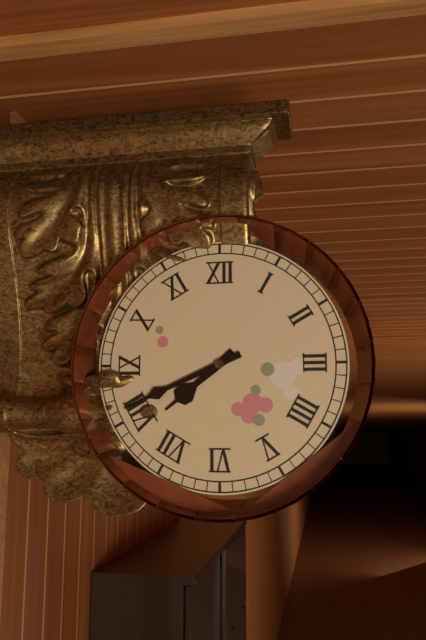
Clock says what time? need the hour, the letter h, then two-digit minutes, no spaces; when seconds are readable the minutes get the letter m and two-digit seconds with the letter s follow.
7h41
